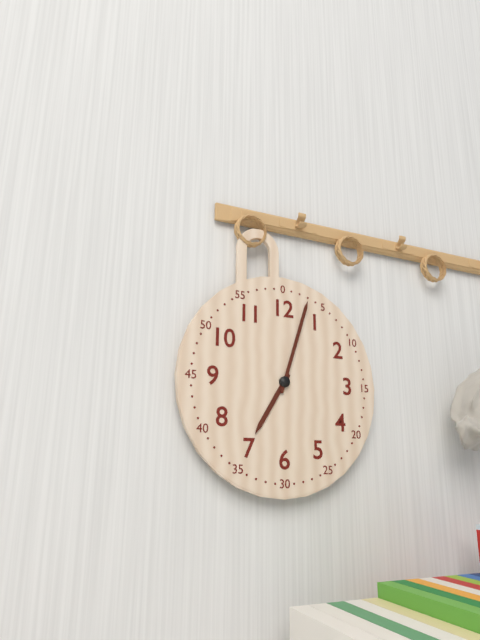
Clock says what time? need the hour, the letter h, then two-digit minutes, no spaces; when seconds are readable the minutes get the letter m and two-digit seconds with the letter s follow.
7h03
